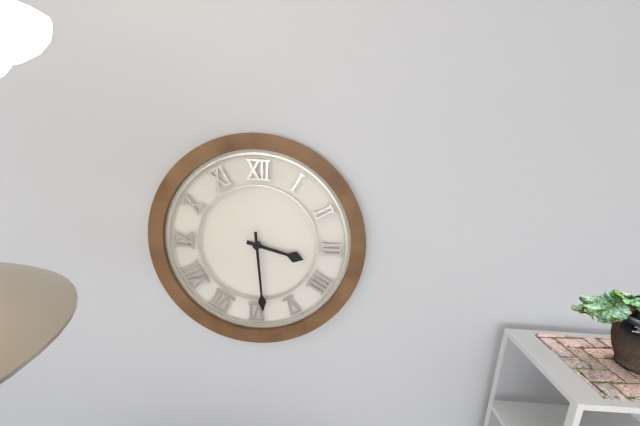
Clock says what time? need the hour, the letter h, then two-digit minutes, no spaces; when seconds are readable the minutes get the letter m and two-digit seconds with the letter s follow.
3h29
